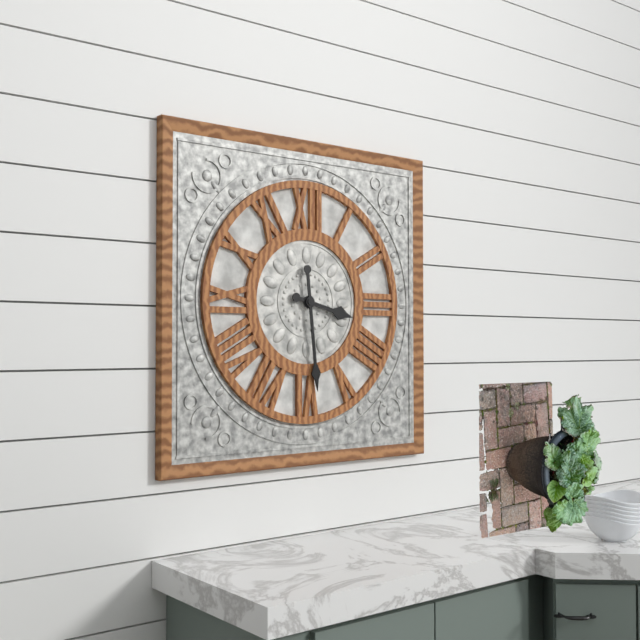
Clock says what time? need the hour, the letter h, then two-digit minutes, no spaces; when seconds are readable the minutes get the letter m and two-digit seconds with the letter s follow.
3h29
